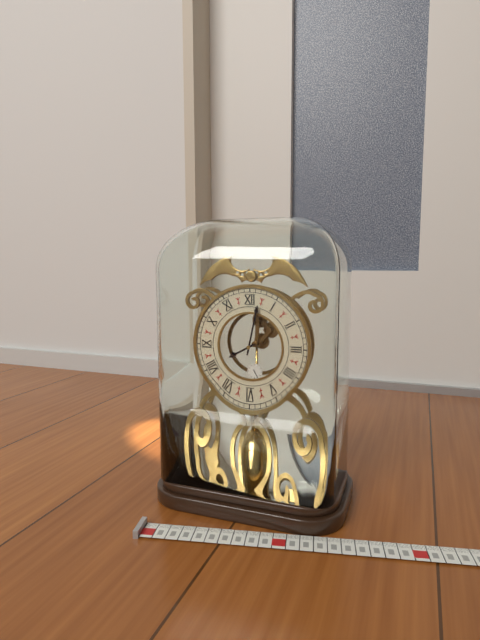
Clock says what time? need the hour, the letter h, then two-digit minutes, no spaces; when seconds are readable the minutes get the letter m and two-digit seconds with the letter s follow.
8h02
